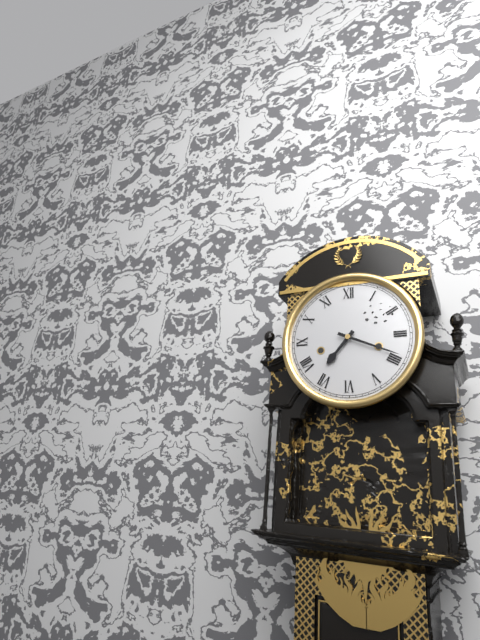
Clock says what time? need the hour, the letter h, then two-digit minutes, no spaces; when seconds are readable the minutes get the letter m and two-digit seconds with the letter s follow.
7h19
